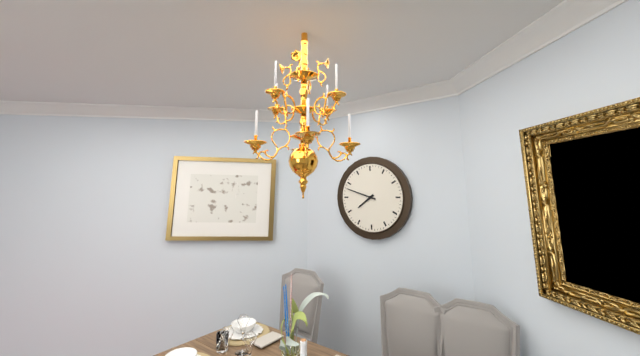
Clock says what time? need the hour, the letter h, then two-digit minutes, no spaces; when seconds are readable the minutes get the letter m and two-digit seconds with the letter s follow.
7h48
